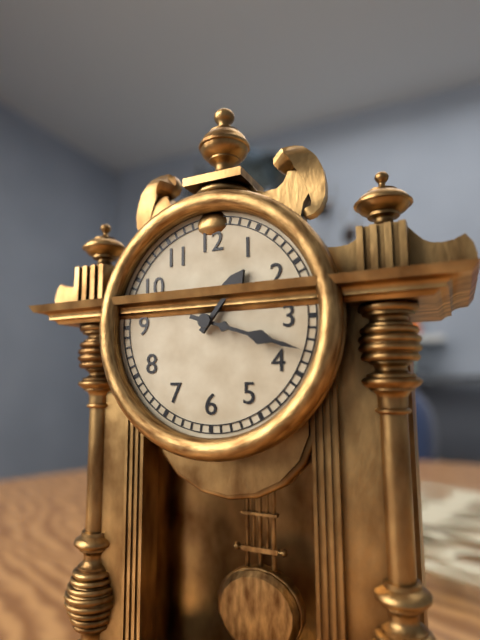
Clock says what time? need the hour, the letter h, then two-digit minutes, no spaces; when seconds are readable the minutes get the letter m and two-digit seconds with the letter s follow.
1h18
